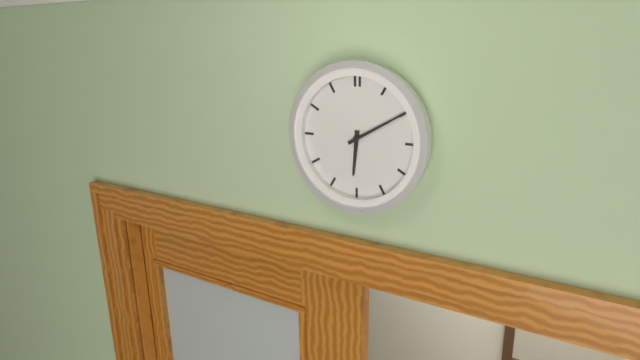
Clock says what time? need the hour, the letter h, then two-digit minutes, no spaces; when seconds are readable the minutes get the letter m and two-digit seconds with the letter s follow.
6h10
